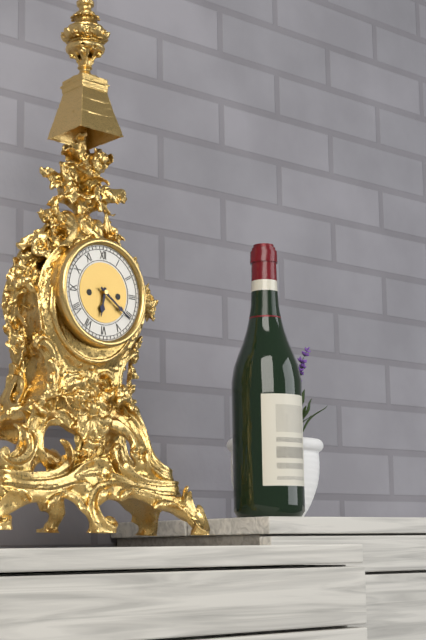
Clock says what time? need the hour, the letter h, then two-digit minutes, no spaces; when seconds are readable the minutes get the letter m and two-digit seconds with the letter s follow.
6h21
